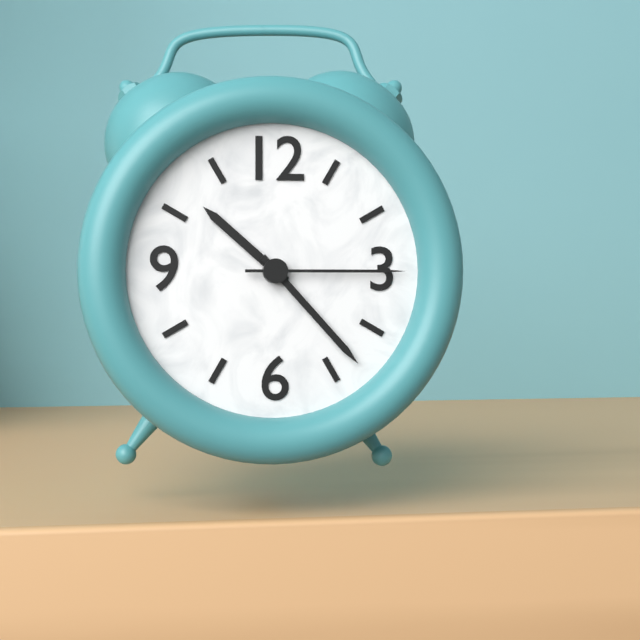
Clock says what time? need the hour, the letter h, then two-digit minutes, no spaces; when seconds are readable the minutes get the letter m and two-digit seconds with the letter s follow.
10h23m15s
